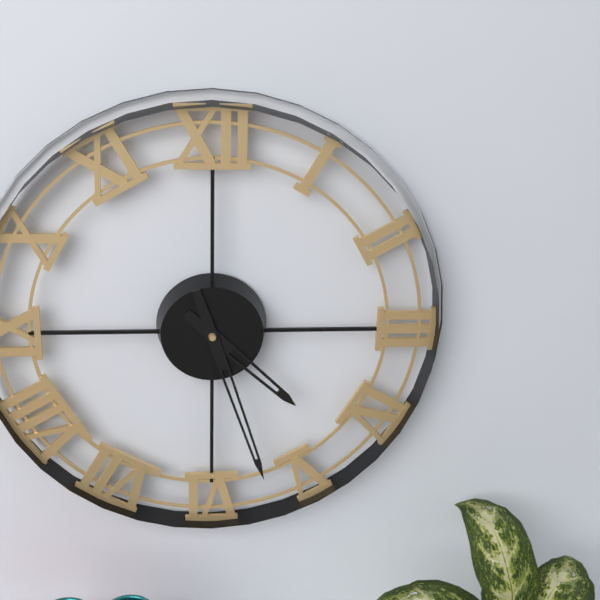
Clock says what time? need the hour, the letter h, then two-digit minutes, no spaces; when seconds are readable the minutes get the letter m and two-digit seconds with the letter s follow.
4h27
